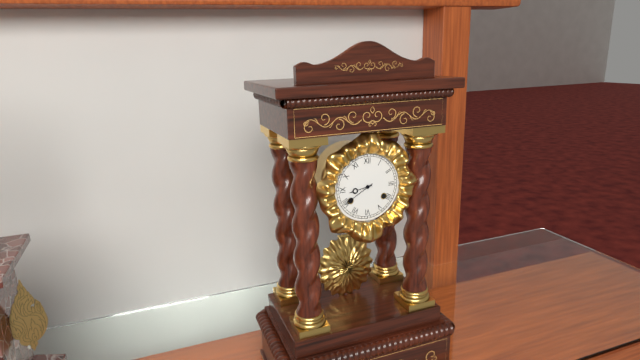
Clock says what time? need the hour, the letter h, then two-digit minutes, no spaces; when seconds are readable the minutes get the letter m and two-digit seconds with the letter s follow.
8h40
